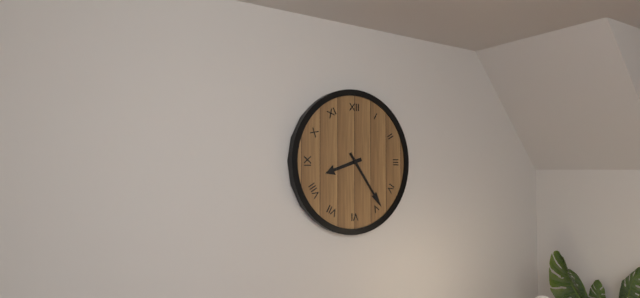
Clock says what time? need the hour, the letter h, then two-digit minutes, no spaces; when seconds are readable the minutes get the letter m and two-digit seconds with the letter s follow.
8h24
